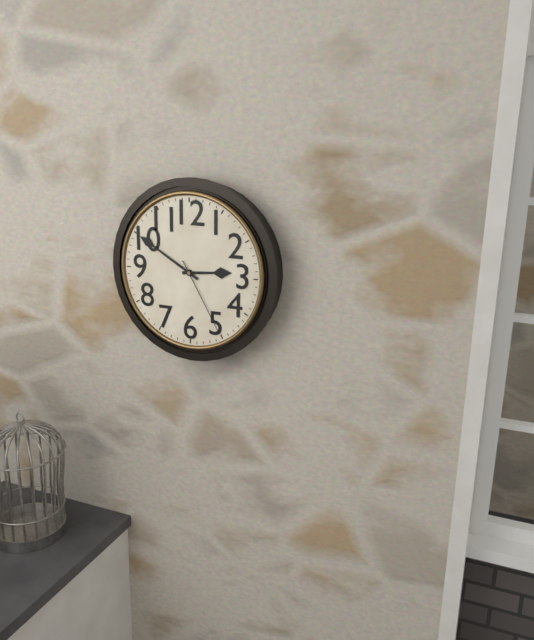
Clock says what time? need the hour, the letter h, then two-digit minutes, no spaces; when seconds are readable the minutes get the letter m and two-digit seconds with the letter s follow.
2h50m25s
